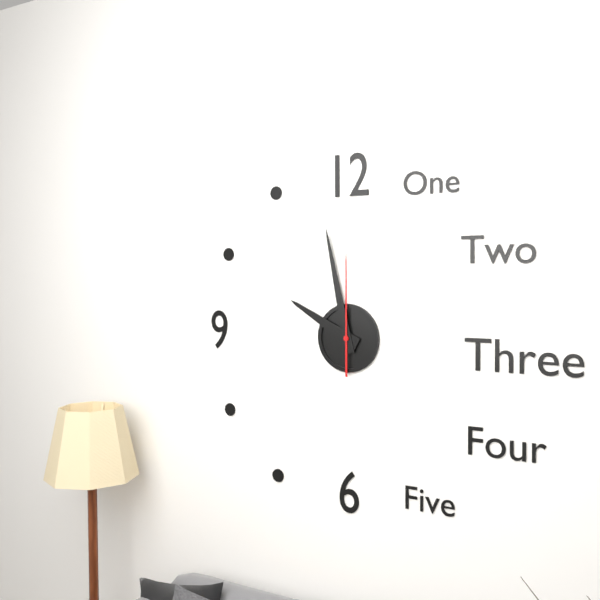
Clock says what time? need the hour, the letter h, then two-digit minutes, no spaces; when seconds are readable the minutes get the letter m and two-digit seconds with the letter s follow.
9h58m00s
